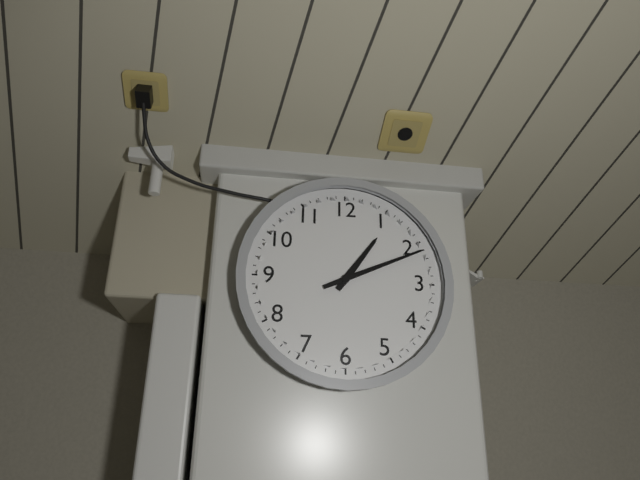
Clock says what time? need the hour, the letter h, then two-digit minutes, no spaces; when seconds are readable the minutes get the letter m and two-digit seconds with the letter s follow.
1h11
